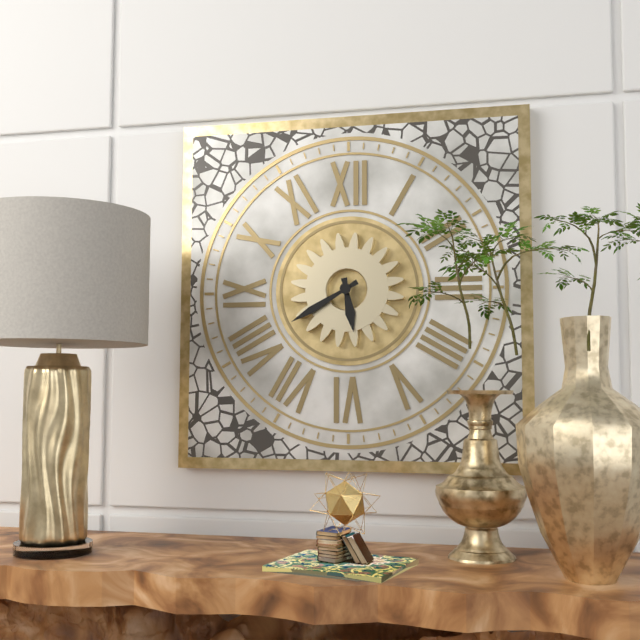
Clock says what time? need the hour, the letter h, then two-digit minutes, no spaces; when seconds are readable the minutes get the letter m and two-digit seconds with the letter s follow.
5h40
